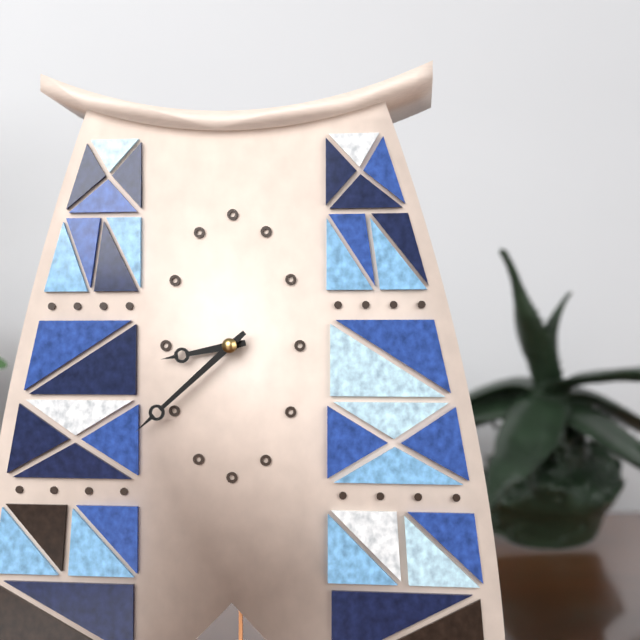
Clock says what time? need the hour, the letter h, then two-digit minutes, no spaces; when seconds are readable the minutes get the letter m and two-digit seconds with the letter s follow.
8h38
